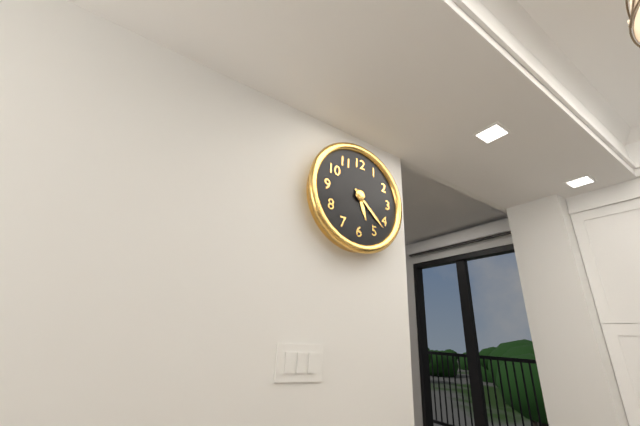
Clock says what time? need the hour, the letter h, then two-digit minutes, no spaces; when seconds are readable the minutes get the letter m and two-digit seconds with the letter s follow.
5h22
